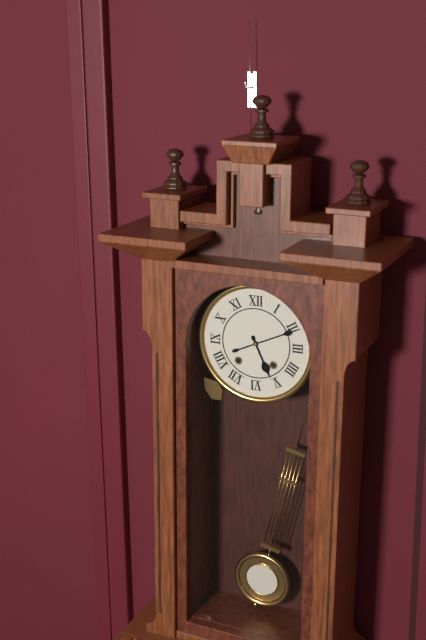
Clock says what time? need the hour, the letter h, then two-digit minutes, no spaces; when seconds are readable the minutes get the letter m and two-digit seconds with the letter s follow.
5h11
